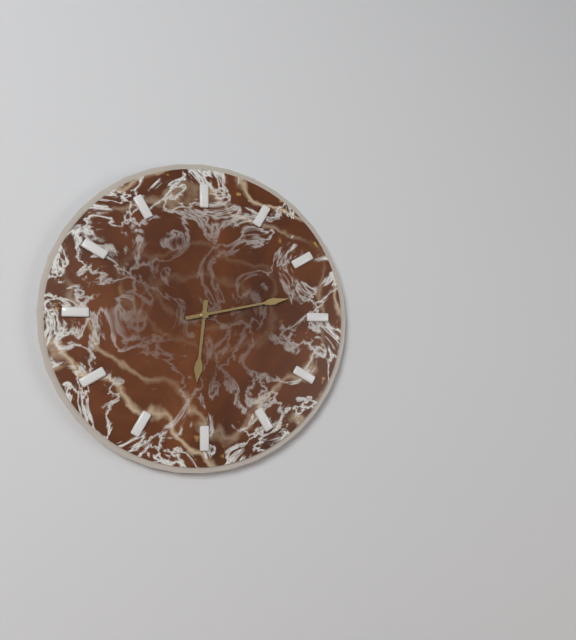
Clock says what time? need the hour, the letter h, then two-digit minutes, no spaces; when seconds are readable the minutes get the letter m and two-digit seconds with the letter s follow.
6h13
